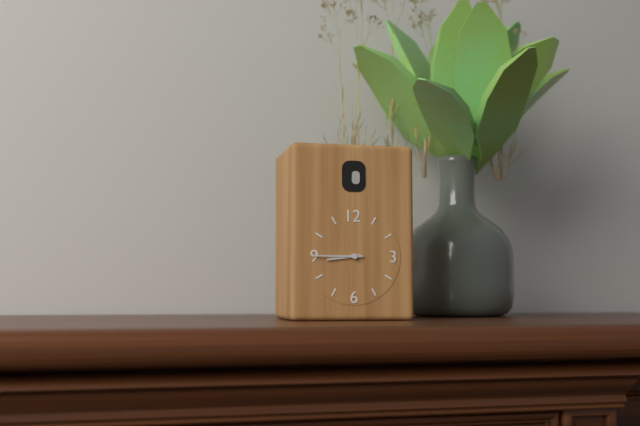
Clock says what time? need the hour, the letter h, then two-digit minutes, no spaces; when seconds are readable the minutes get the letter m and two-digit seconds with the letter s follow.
8h45
